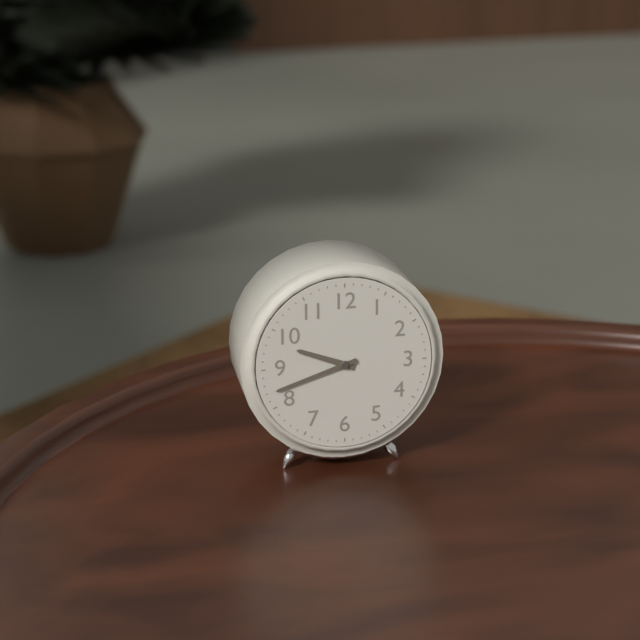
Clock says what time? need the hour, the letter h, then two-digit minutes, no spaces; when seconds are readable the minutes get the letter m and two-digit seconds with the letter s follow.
9h42
